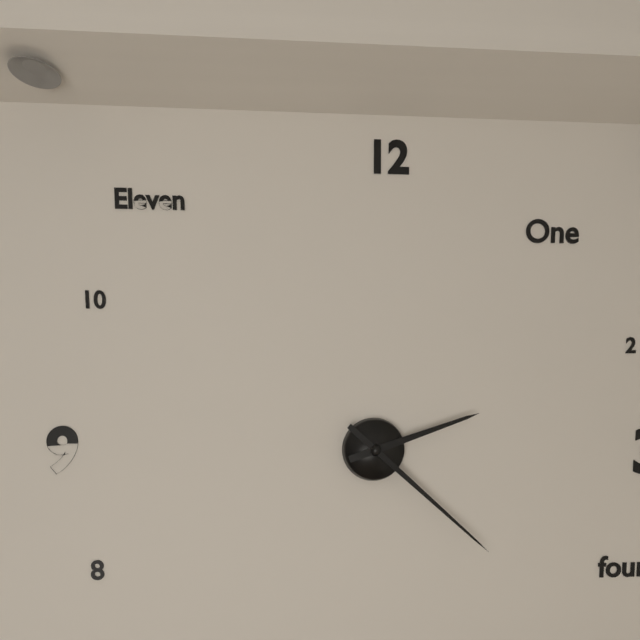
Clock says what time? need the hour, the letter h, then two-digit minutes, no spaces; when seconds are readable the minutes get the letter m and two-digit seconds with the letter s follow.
2h22
